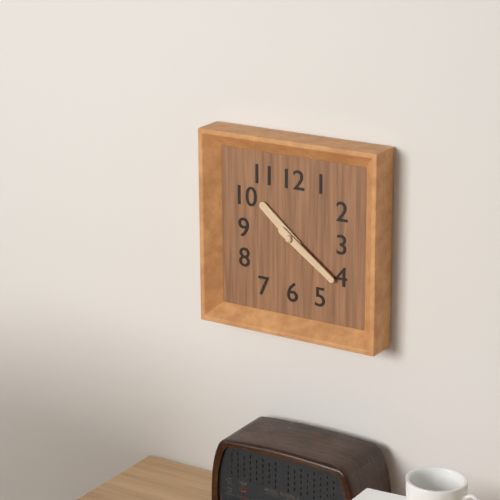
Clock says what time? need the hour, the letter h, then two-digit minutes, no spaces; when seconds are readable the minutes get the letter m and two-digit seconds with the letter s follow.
10h21
